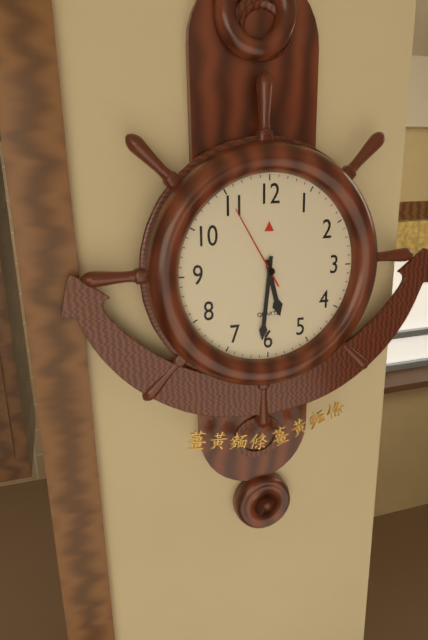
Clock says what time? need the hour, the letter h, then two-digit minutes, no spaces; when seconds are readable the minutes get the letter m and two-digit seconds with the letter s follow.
5h31m55s
